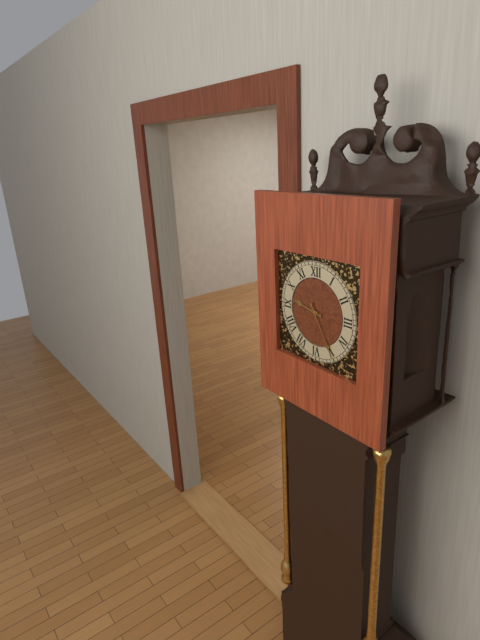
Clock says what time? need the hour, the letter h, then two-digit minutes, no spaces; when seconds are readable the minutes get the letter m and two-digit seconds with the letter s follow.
9h25
